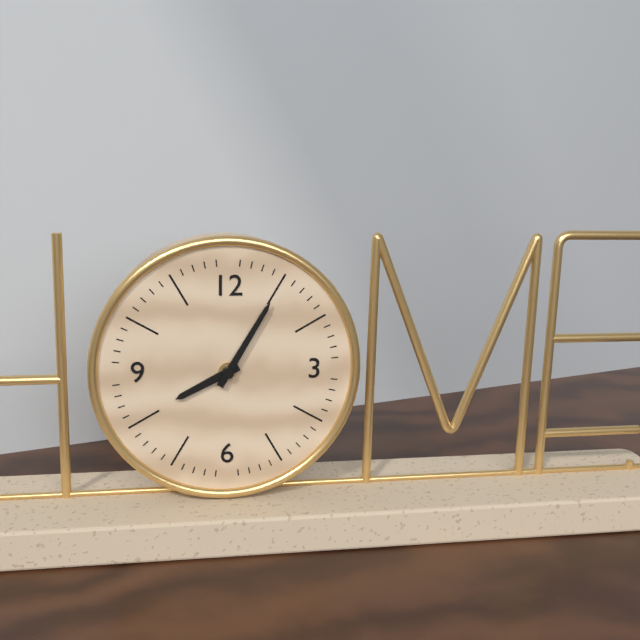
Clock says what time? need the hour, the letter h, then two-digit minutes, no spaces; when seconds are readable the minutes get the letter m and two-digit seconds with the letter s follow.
8h05
